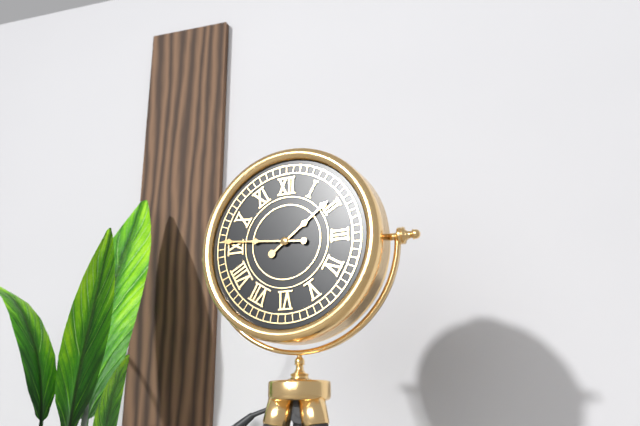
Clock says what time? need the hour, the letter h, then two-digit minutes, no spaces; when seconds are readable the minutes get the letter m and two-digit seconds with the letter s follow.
1h46
